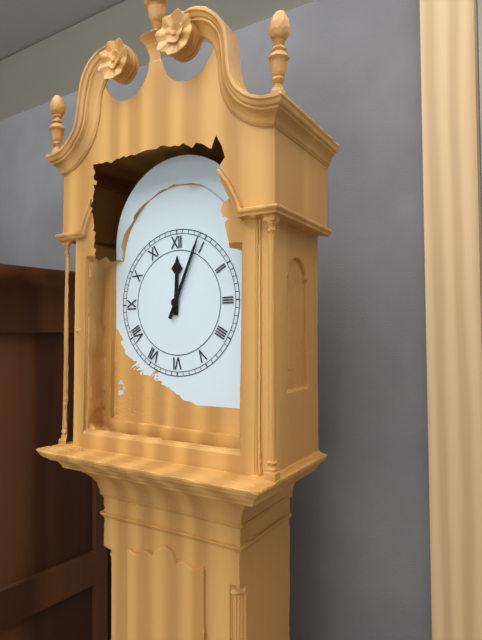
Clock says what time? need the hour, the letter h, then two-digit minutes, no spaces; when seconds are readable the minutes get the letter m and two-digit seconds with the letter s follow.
12h04
